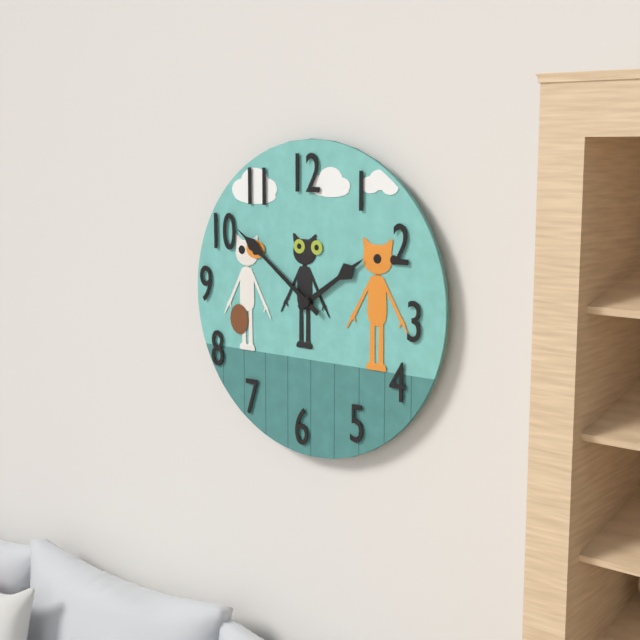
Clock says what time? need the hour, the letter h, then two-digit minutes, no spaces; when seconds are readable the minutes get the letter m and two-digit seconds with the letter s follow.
1h51
